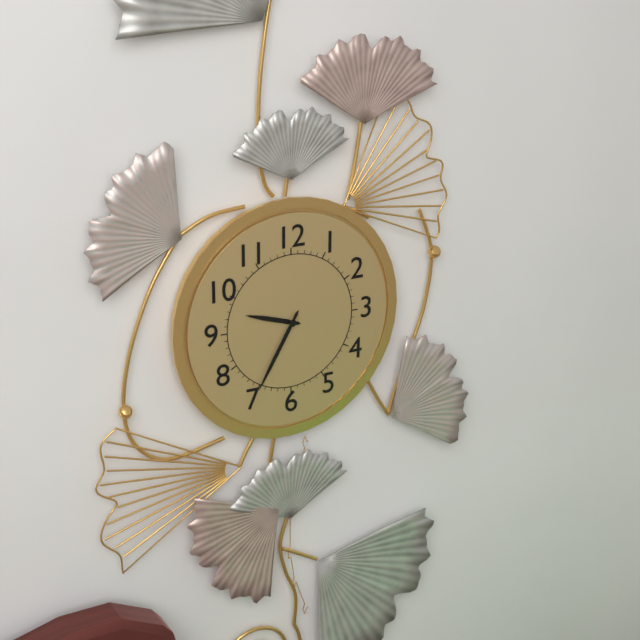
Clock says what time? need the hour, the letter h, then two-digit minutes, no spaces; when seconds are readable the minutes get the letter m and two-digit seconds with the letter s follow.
9h35
